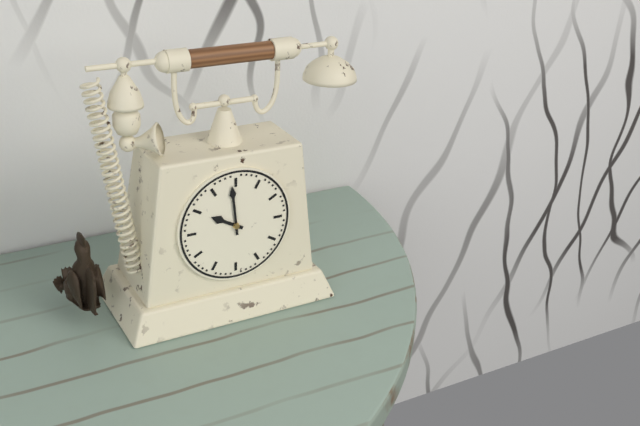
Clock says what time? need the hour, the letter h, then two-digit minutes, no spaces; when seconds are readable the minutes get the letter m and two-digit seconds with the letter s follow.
9h59
